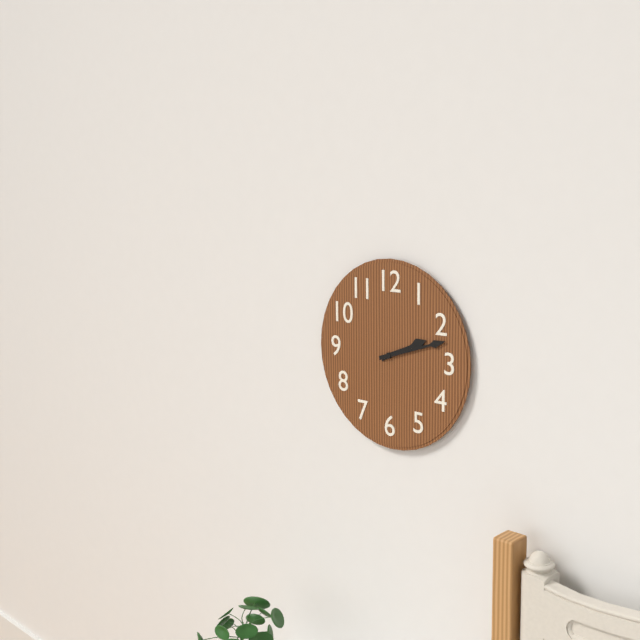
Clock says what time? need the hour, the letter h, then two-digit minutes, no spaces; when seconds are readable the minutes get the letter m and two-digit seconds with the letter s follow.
2h12
